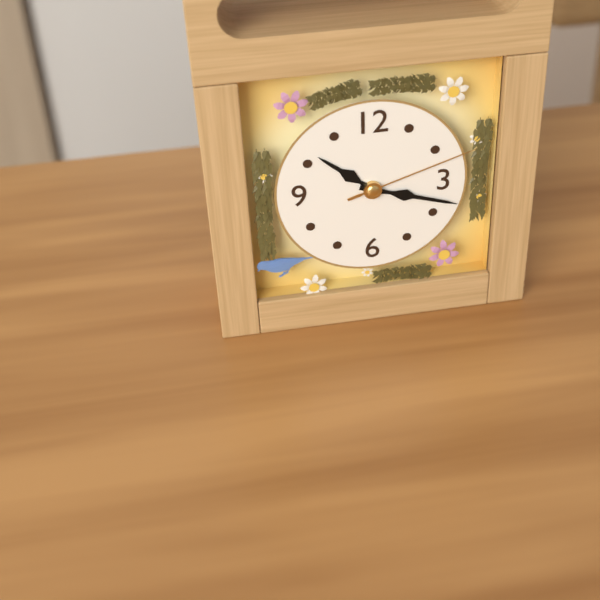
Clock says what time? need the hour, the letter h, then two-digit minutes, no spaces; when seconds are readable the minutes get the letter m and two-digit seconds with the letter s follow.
10h18m12s
